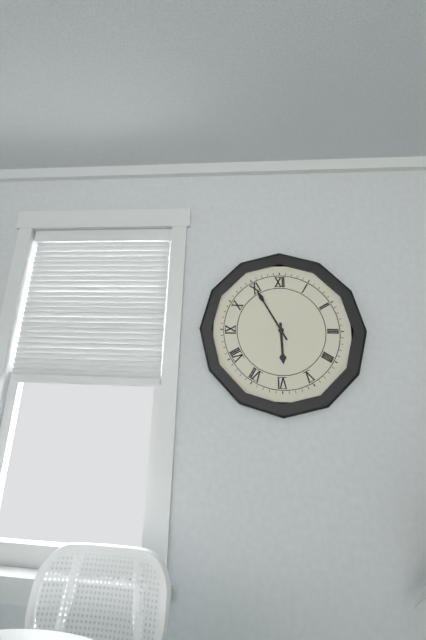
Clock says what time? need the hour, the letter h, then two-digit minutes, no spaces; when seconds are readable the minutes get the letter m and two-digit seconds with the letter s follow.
5h55
